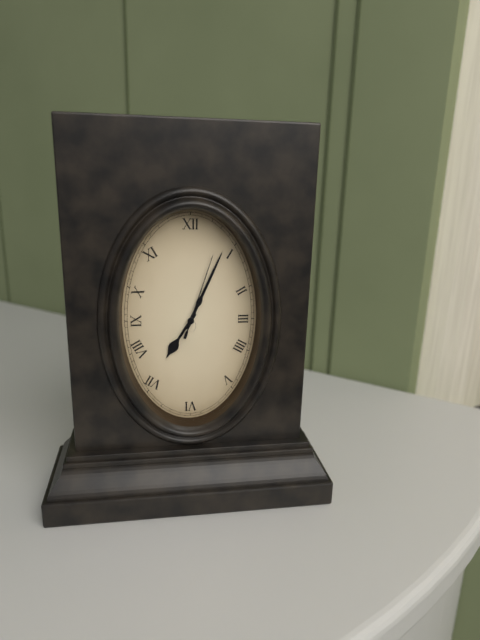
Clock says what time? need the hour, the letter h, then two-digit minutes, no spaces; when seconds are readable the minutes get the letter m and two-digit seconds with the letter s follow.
7h04m03s
